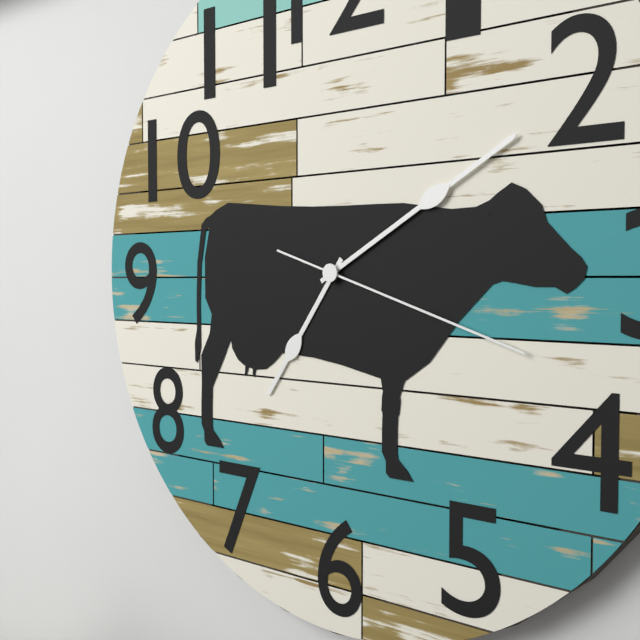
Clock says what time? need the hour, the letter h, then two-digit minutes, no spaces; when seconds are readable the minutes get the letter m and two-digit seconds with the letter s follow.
7h10m18s
